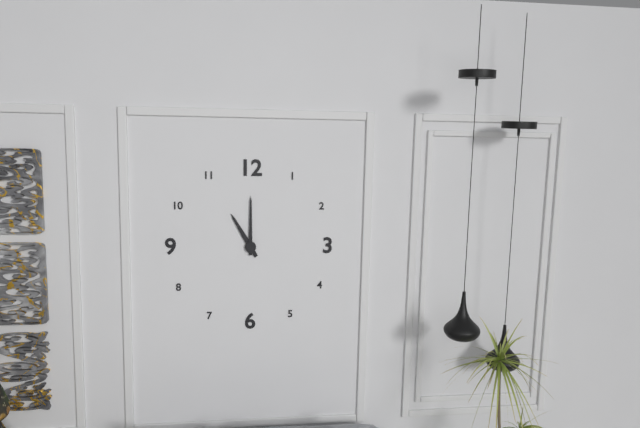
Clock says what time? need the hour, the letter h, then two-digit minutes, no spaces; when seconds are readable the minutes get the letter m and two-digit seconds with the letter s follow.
11h00
